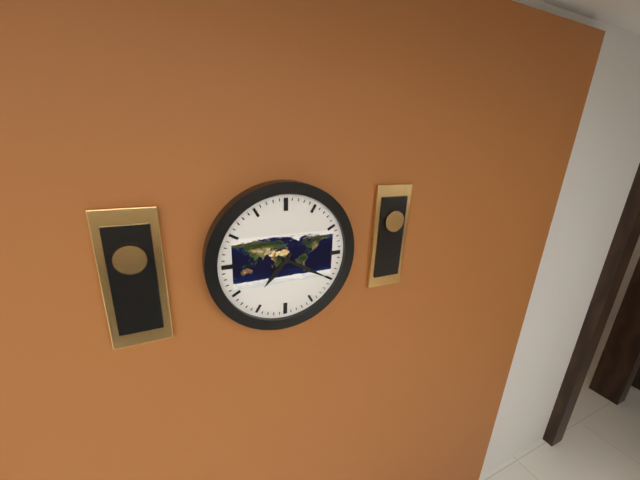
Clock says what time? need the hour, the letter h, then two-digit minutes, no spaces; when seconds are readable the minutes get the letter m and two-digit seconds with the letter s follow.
7h20
